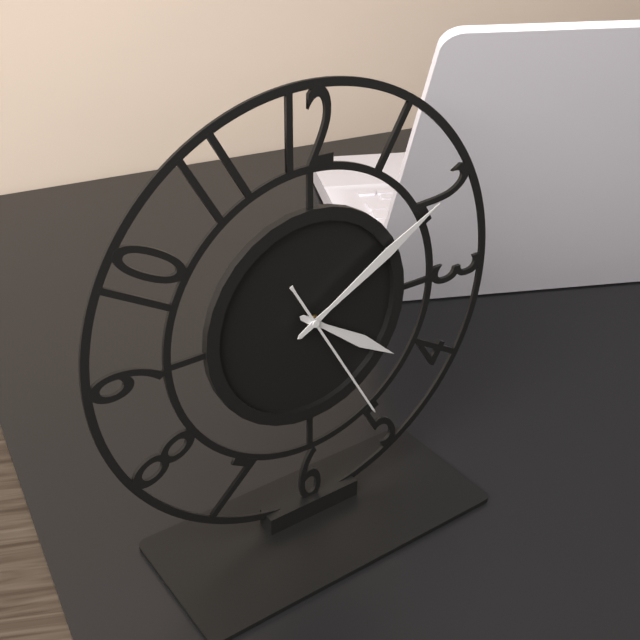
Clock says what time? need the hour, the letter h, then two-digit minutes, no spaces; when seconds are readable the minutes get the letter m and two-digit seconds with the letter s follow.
4h10m25s
